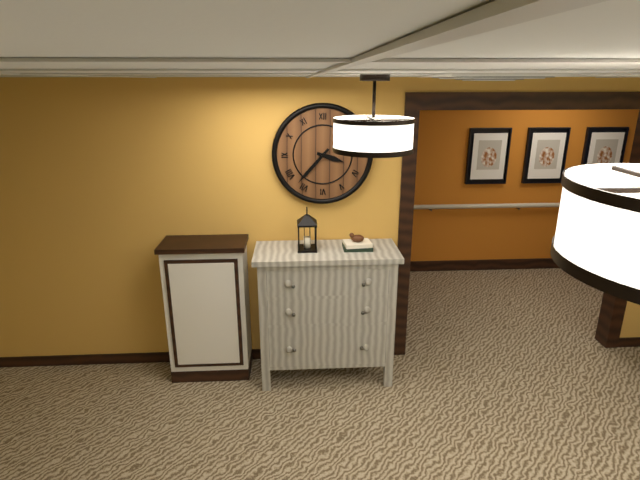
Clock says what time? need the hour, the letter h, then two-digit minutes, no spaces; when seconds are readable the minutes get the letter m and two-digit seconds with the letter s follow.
3h37
